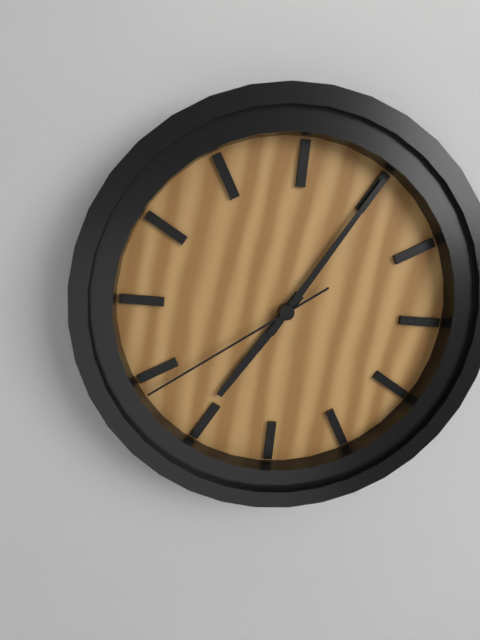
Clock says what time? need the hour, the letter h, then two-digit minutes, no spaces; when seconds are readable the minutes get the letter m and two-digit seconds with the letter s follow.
7h05m39s
